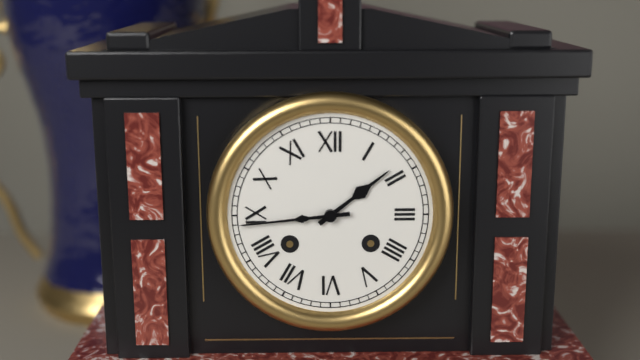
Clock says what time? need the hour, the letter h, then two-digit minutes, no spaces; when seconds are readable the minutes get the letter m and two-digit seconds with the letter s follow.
1h44
